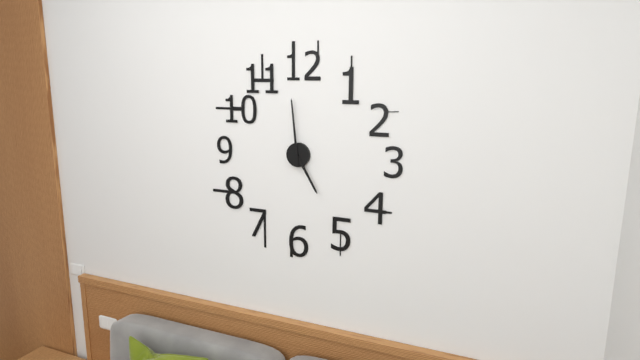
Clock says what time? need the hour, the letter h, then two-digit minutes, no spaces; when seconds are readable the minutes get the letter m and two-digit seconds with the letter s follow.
4h59
